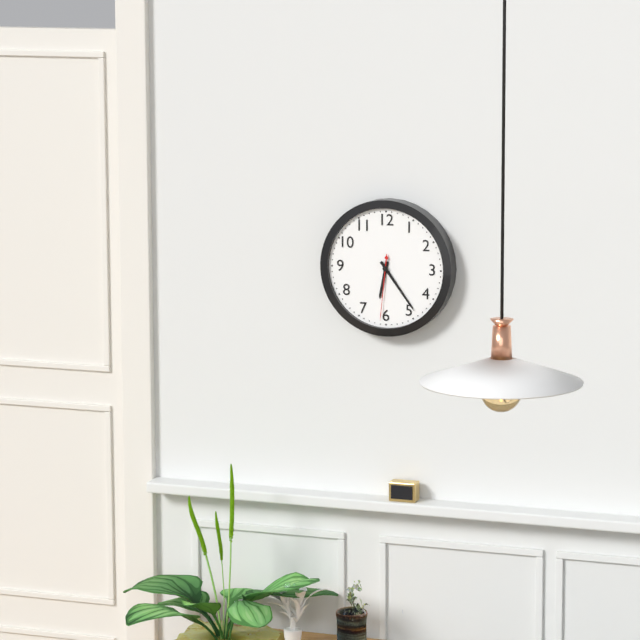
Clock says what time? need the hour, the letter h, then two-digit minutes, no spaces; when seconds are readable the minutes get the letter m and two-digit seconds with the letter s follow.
6h24m31s
